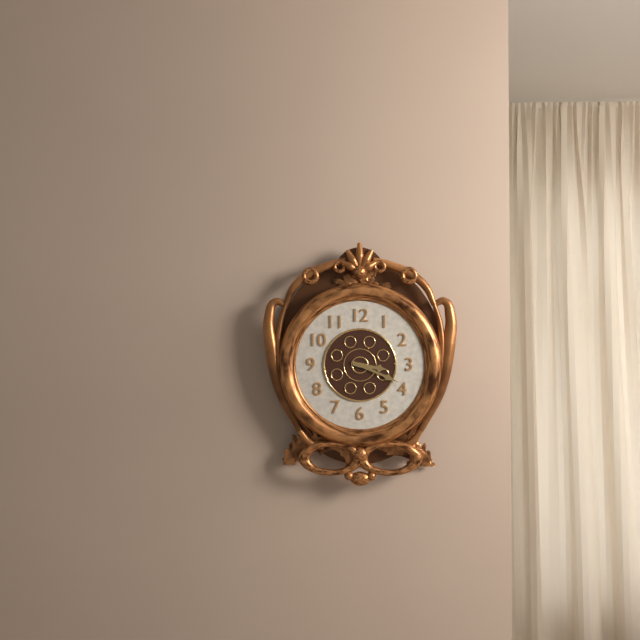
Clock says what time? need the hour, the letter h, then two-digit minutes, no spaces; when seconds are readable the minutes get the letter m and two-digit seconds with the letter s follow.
3h19
